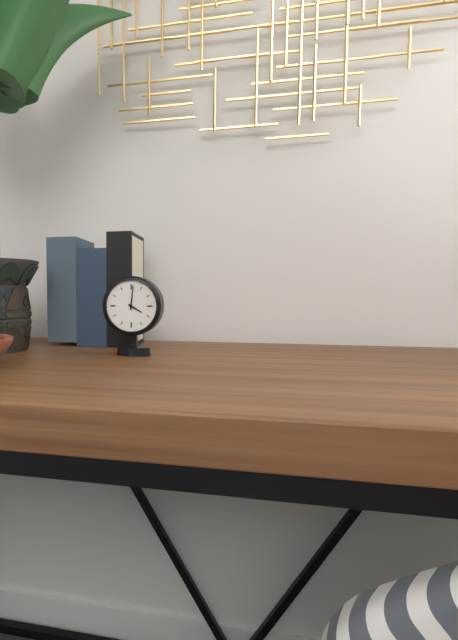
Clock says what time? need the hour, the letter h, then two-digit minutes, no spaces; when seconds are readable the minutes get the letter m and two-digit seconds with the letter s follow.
4h01
